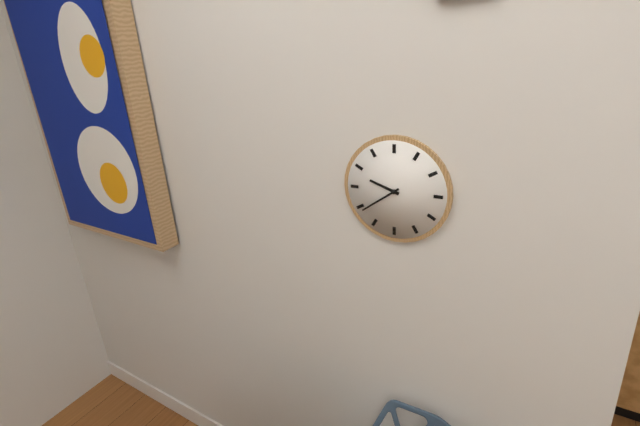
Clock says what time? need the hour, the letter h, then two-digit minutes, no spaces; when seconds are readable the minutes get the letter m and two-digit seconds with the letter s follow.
9h39
